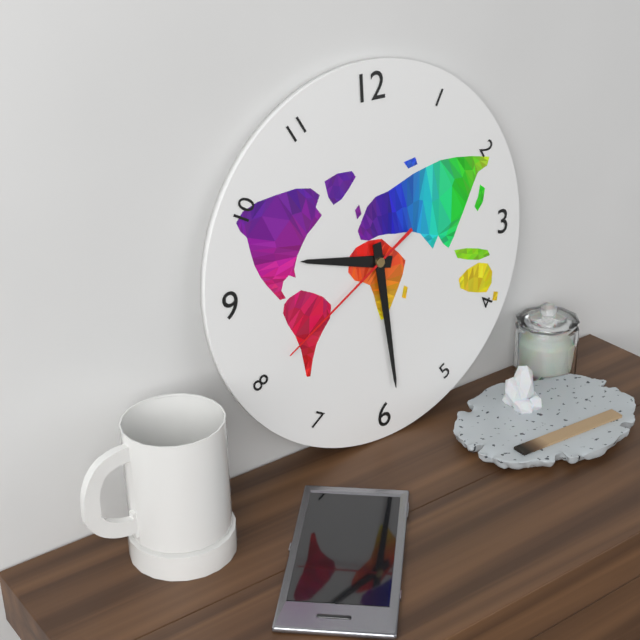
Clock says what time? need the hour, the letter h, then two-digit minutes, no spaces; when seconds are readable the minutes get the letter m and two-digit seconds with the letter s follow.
9h29m40s
